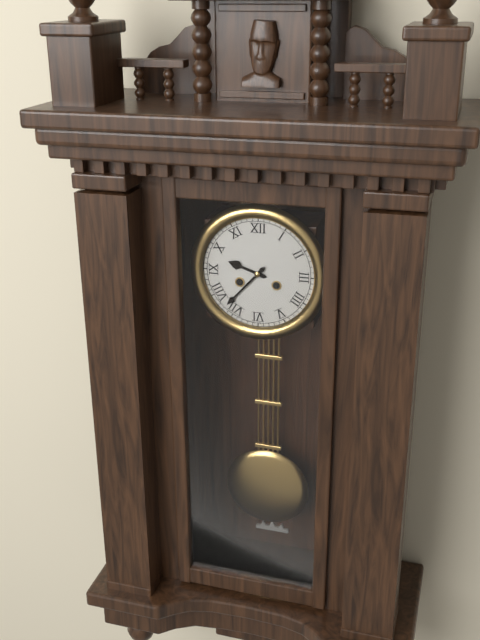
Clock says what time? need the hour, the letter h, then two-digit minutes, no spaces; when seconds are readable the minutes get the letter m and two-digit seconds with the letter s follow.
9h37
